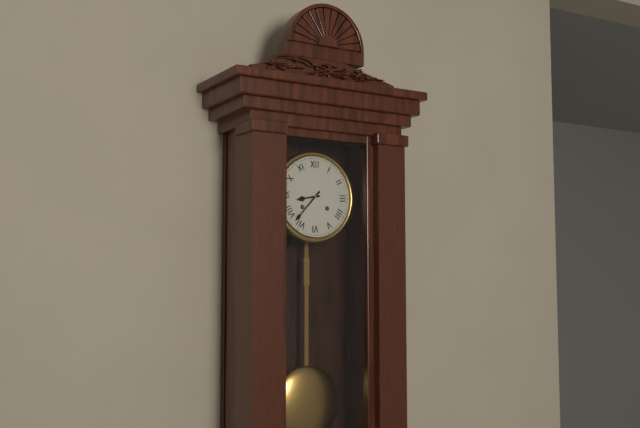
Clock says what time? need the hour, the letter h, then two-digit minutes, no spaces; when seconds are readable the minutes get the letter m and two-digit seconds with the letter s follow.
8h37
